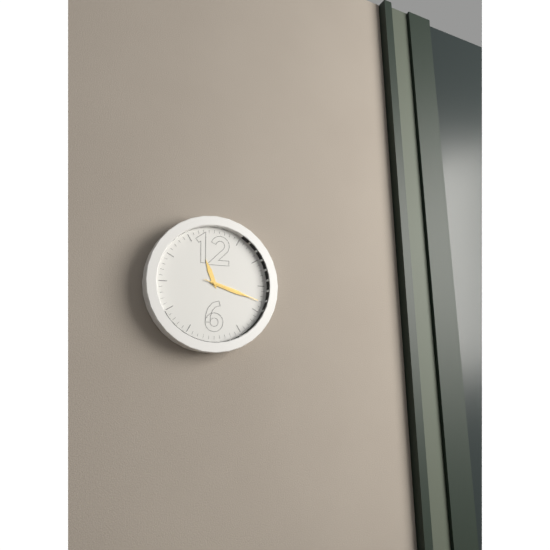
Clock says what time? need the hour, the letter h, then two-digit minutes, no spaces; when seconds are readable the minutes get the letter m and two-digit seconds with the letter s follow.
11h18m18s
